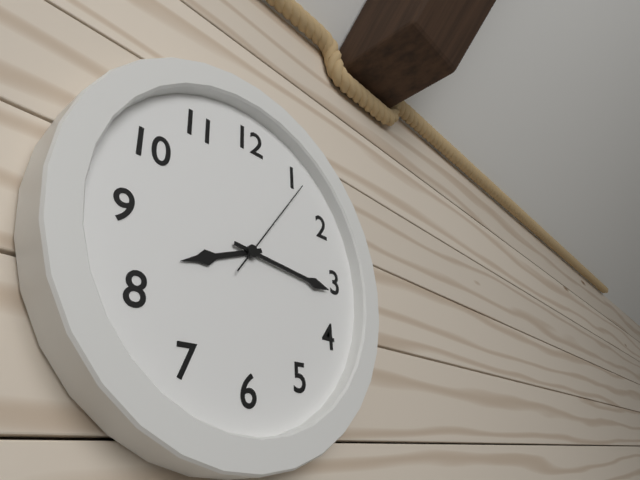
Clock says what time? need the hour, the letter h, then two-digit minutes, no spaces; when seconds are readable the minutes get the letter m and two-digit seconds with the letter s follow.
8h16m06s
